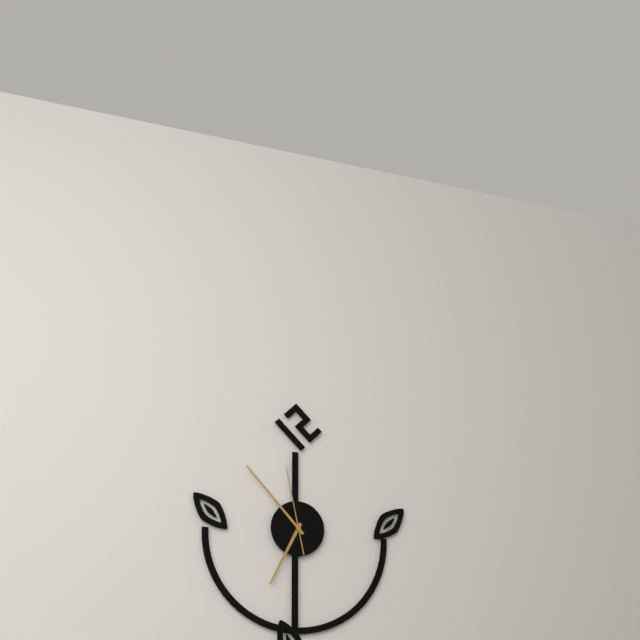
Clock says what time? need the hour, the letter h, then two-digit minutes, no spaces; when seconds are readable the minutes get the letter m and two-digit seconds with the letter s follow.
6h53m58s
